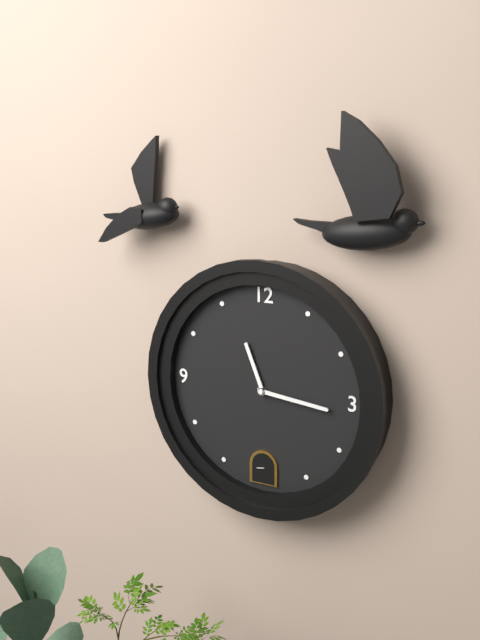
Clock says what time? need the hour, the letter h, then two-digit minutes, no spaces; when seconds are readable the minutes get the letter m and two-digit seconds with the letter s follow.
11h16
